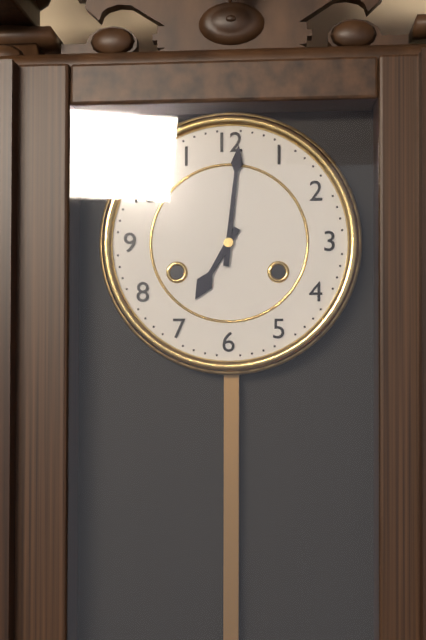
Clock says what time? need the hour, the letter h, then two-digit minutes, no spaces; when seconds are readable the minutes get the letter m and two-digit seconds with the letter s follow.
7h01
